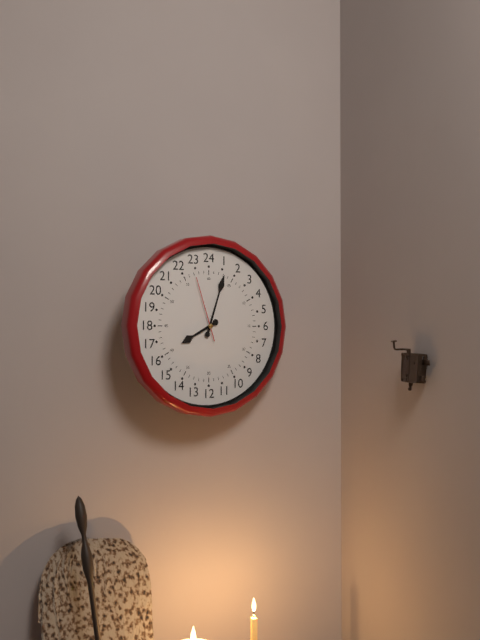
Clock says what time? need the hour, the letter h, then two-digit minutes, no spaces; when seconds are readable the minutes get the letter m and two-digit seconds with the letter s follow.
8h03m57s
